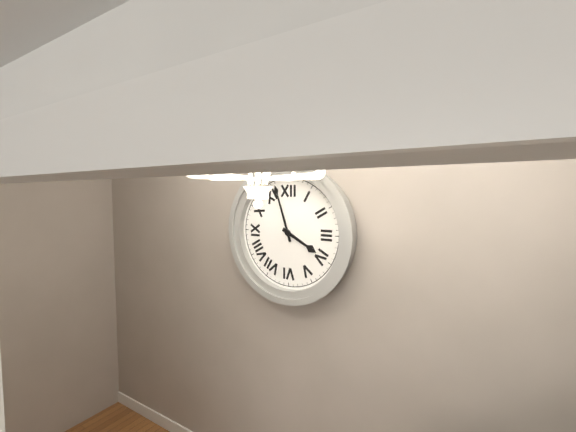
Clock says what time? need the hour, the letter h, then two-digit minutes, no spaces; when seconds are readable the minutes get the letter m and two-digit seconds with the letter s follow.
3h57
